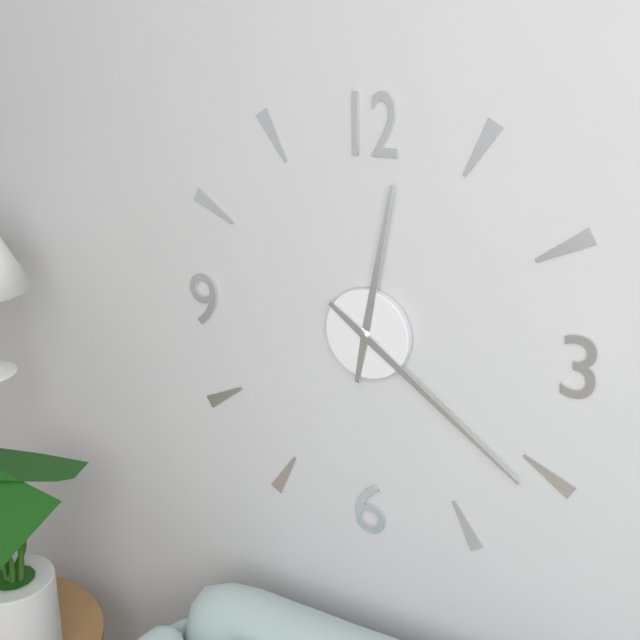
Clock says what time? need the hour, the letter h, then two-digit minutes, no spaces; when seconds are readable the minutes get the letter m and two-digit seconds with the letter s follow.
12h21
